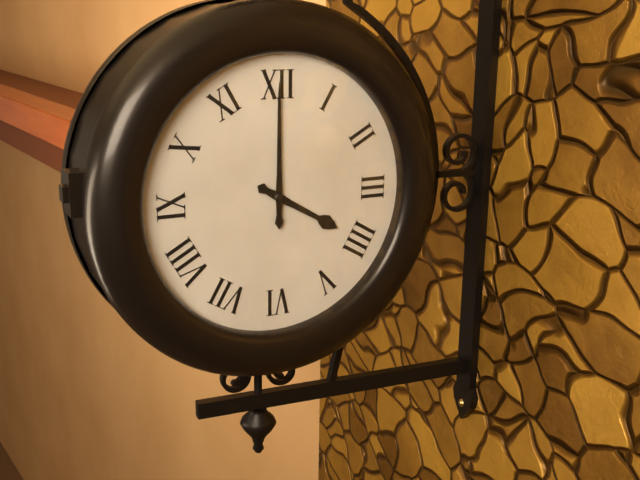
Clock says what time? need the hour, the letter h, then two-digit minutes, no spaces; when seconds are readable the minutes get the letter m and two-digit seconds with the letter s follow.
4h00
